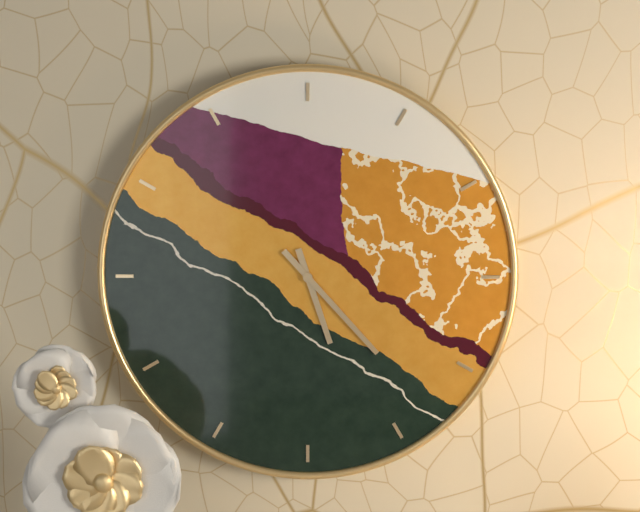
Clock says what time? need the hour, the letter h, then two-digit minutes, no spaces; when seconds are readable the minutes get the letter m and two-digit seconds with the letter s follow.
5h23
